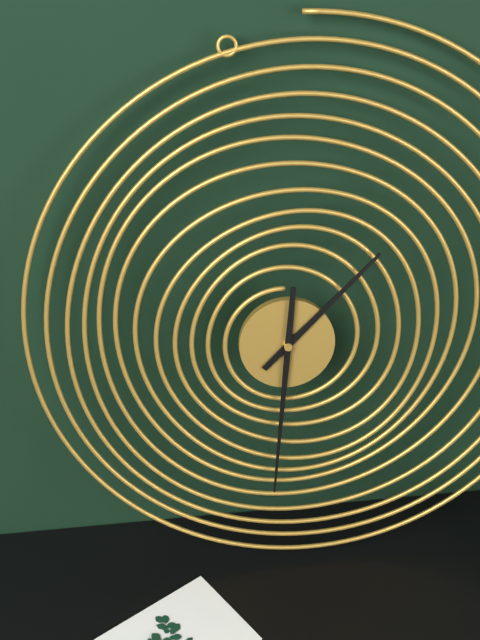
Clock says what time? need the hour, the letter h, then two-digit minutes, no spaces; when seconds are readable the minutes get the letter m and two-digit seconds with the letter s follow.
1h31
